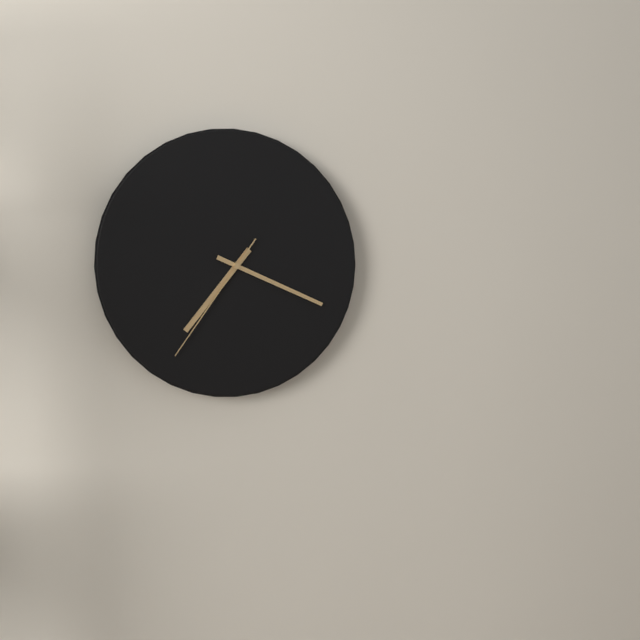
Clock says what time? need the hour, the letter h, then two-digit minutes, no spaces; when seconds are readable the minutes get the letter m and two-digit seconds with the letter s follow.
7h19m36s
